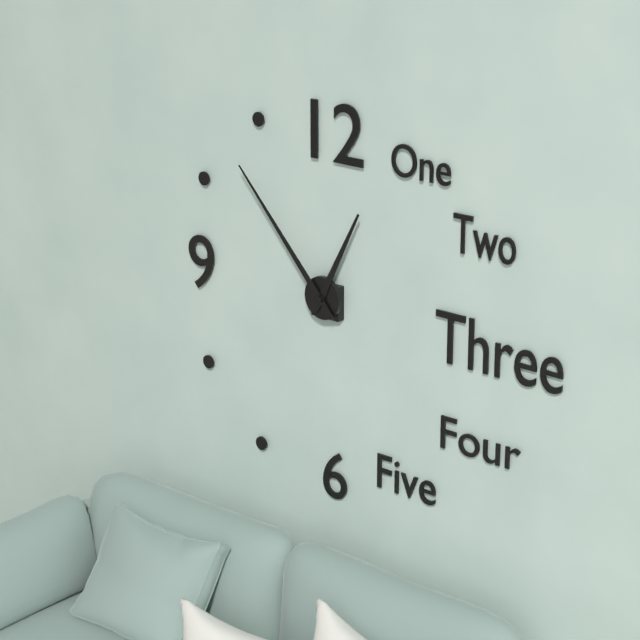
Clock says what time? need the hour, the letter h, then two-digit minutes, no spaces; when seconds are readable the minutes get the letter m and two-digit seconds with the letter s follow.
12h53
